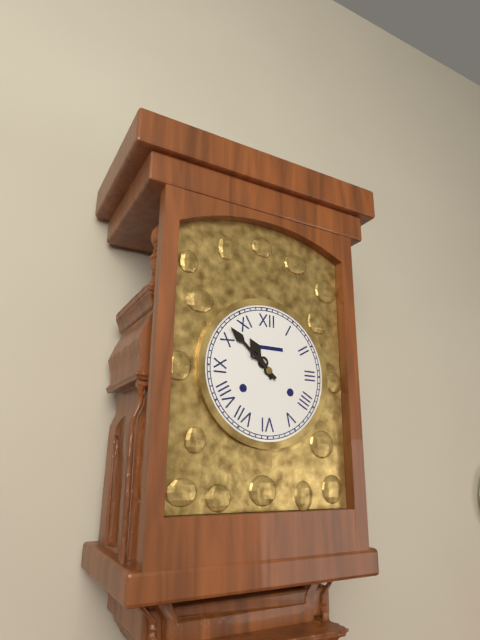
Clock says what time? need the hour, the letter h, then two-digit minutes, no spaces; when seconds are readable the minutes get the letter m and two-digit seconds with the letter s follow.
10h52
